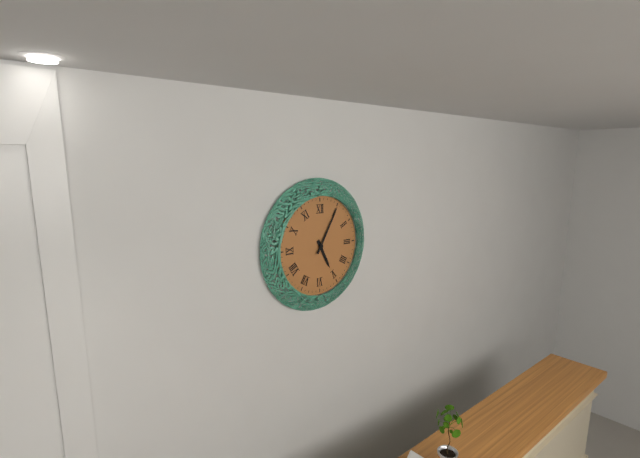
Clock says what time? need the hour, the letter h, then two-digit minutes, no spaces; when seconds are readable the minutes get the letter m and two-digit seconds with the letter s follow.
5h05
